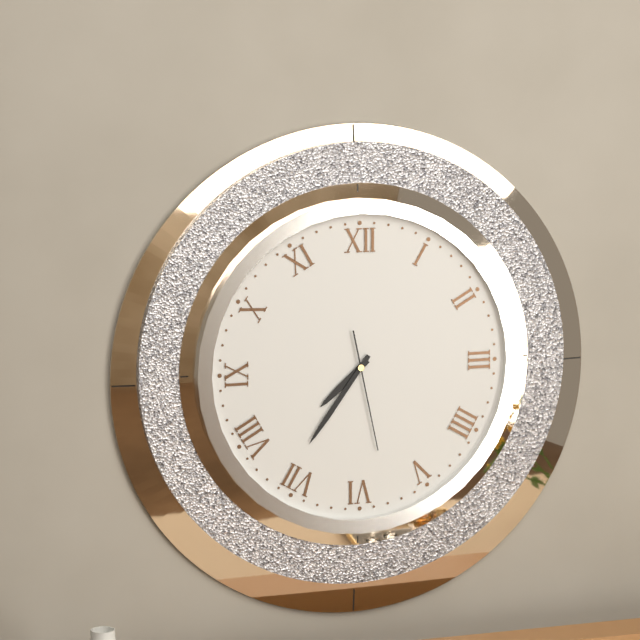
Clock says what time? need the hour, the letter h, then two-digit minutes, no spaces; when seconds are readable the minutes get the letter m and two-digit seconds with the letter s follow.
7h36m28s
